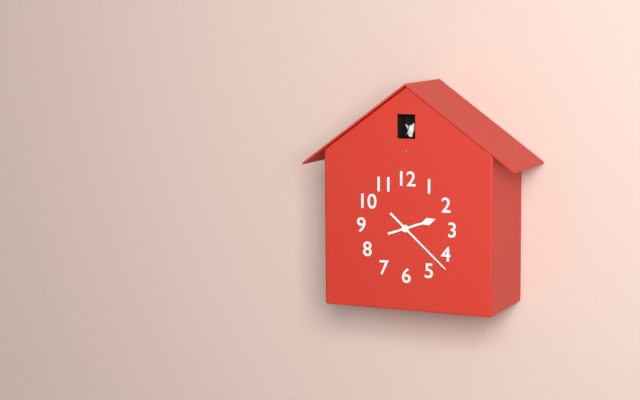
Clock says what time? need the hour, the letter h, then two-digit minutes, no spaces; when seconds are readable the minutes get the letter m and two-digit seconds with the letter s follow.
2h22
